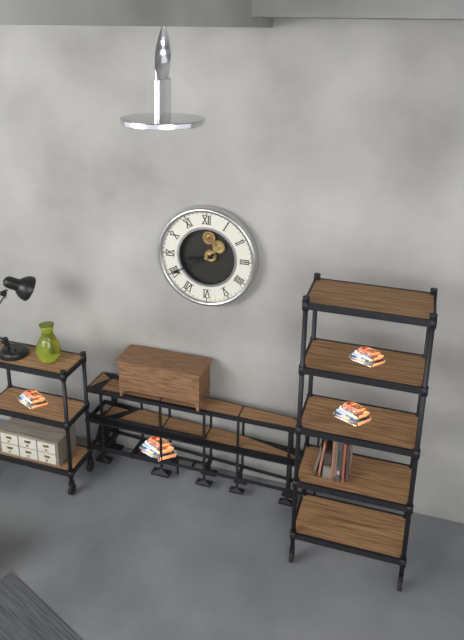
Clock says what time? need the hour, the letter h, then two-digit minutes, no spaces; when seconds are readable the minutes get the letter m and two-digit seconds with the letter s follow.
8h40
